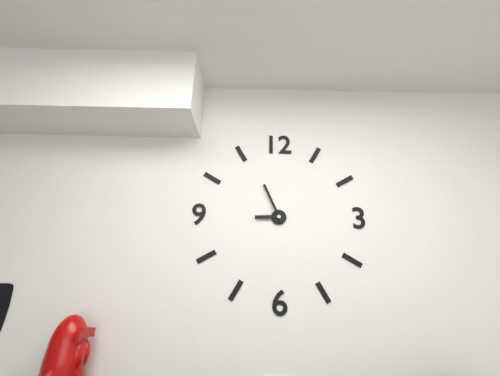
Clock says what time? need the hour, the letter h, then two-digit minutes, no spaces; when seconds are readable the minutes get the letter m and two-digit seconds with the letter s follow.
8h56
